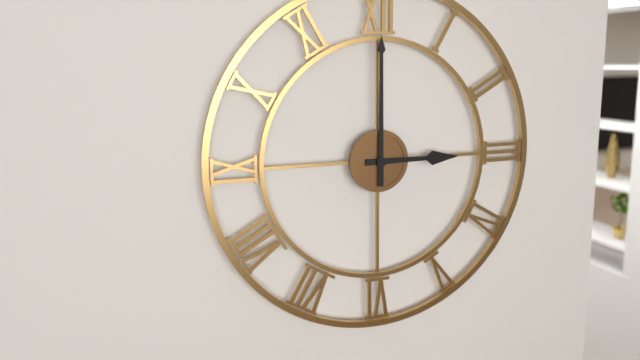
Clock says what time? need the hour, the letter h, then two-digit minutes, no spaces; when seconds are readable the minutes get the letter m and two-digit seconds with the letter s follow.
3h00
